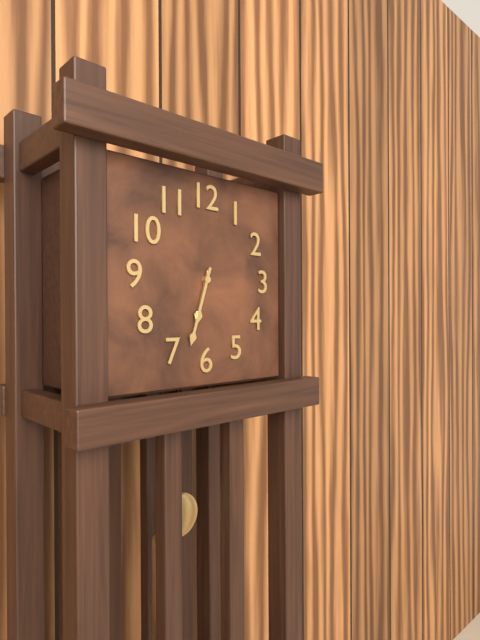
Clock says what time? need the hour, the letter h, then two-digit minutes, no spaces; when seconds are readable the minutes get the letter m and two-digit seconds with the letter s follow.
6h33
